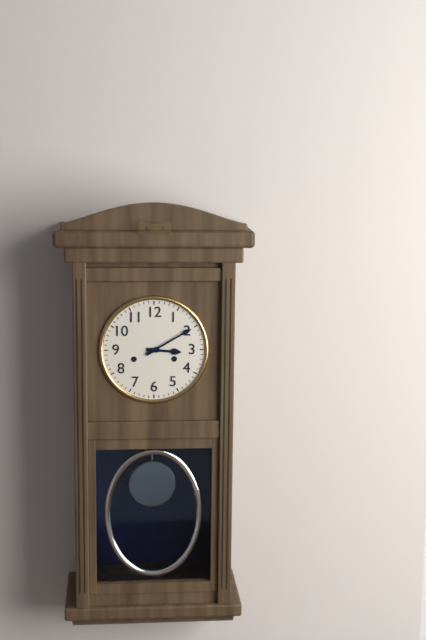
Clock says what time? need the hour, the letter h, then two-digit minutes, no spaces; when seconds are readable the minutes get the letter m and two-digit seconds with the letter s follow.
3h10
